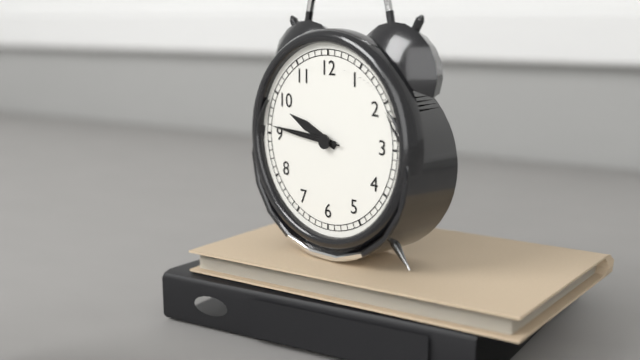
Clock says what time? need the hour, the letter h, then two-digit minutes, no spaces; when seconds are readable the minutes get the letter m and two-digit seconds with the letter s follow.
9h46m46s
